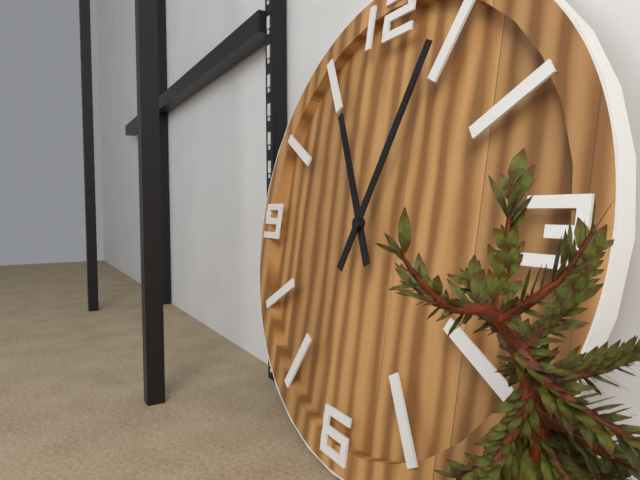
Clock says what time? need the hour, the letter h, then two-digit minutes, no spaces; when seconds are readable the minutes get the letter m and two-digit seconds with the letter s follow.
11h04
